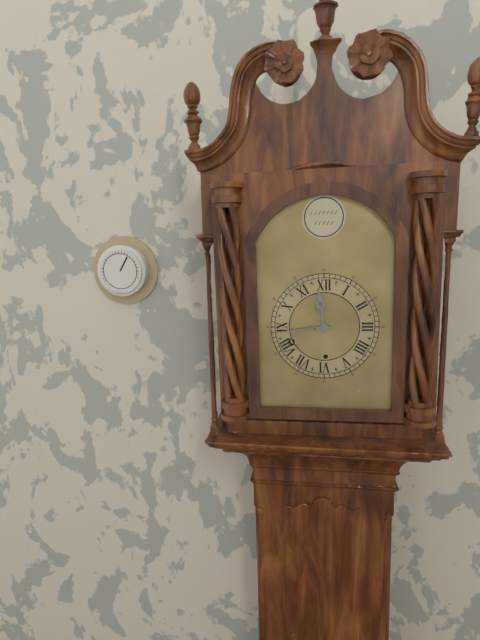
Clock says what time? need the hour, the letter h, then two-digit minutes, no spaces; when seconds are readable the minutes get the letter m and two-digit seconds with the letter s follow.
11h44
